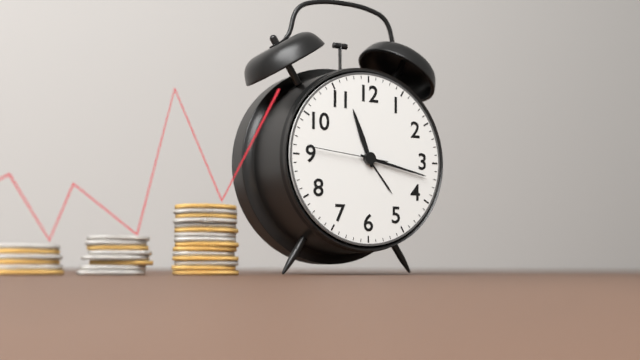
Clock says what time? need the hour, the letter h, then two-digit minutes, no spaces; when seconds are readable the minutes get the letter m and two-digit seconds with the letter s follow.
11h17m46s
